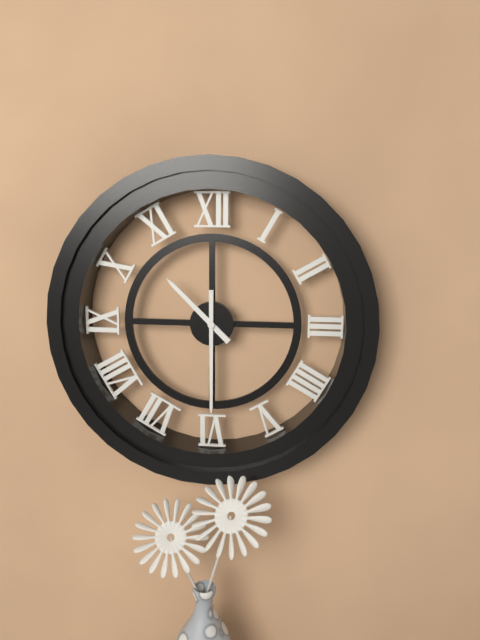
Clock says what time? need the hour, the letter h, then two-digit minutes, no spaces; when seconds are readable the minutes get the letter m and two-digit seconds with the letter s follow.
10h30
